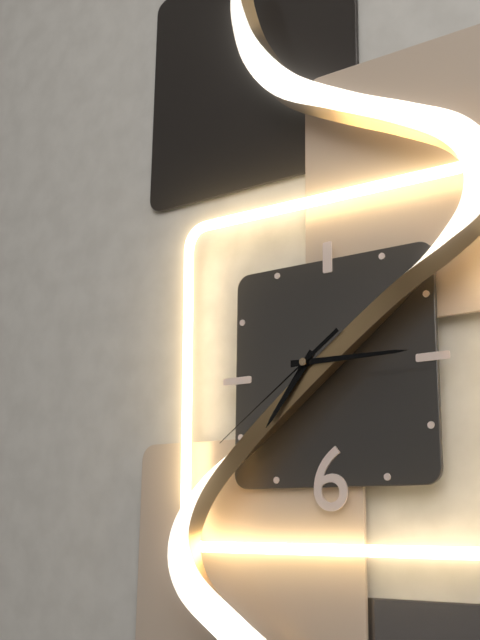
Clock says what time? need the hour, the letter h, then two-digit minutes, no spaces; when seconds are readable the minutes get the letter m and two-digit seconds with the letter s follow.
7h15m39s
